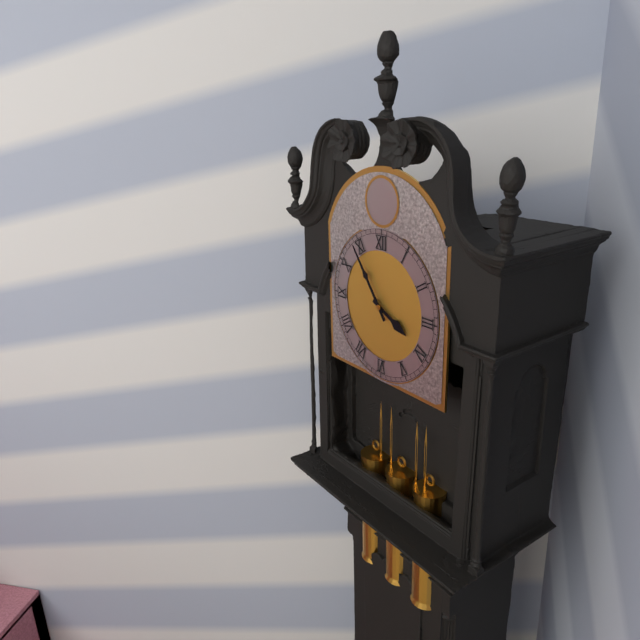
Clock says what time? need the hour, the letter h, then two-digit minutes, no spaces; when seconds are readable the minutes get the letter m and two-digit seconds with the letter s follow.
3h54
